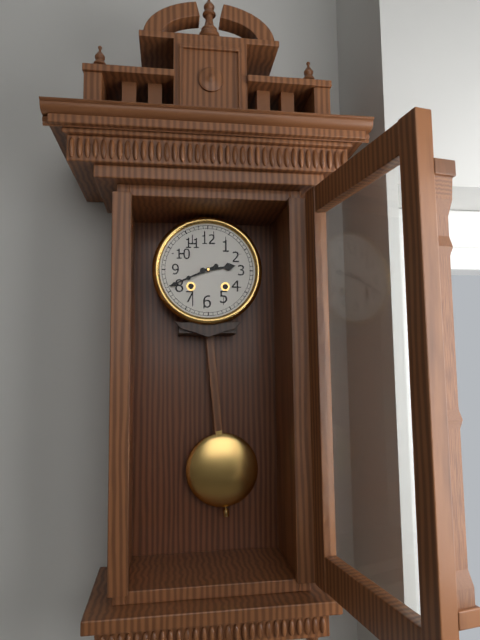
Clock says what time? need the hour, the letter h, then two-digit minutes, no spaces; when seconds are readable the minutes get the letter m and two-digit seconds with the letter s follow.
2h41
